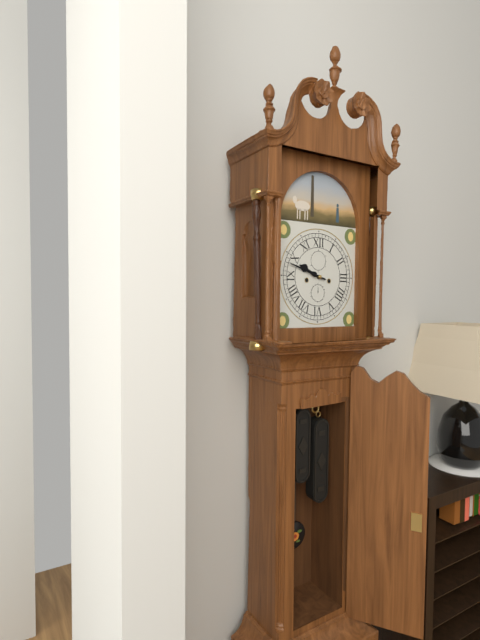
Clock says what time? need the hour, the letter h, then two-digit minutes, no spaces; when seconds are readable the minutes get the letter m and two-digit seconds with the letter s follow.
9h48
